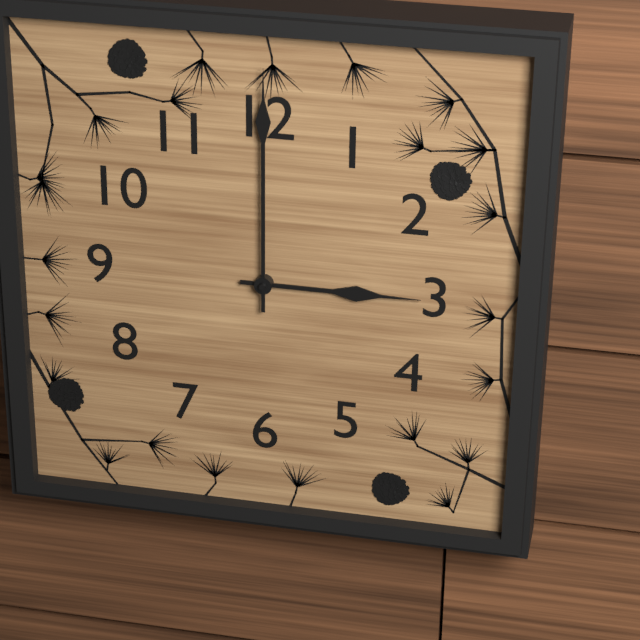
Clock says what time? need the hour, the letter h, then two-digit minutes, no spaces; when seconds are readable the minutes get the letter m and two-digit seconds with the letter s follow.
3h00
